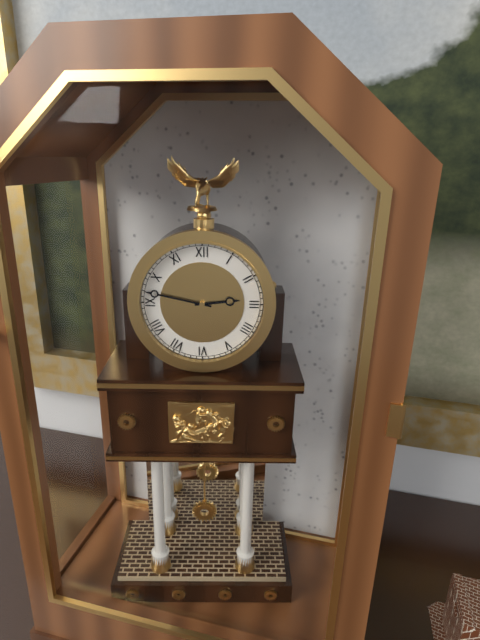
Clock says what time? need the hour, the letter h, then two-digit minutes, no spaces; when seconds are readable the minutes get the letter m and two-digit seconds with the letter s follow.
2h47
